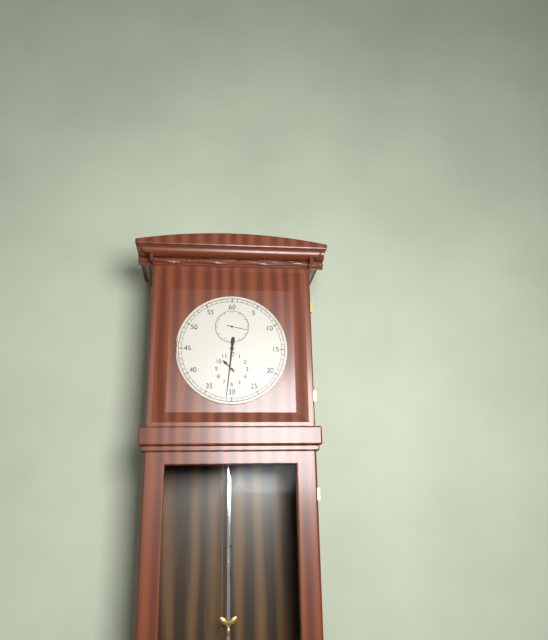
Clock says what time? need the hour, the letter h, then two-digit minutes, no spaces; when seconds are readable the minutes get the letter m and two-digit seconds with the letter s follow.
10h31
